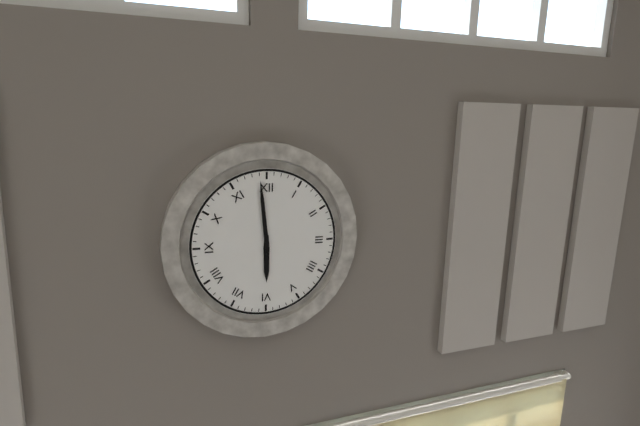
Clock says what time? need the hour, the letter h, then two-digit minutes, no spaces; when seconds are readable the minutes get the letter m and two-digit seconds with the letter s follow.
5h59
